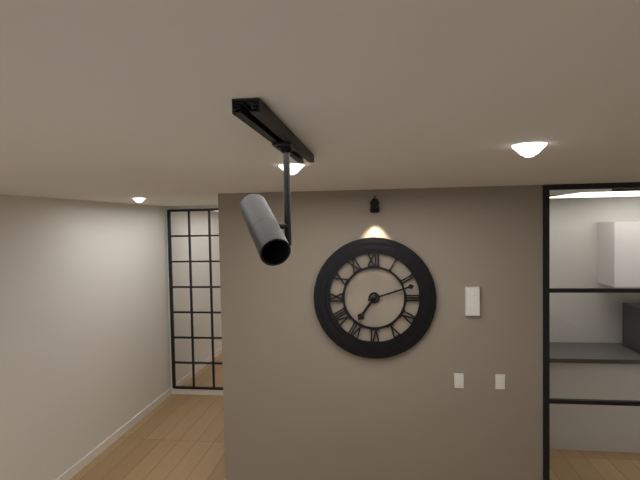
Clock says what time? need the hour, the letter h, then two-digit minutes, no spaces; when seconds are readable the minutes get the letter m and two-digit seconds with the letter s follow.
7h12
